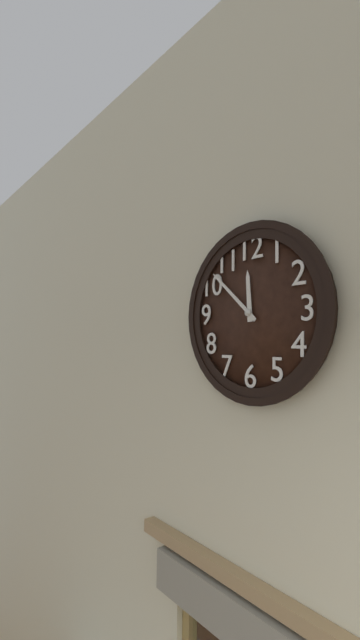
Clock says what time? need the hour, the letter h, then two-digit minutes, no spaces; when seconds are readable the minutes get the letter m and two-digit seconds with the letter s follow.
11h52
